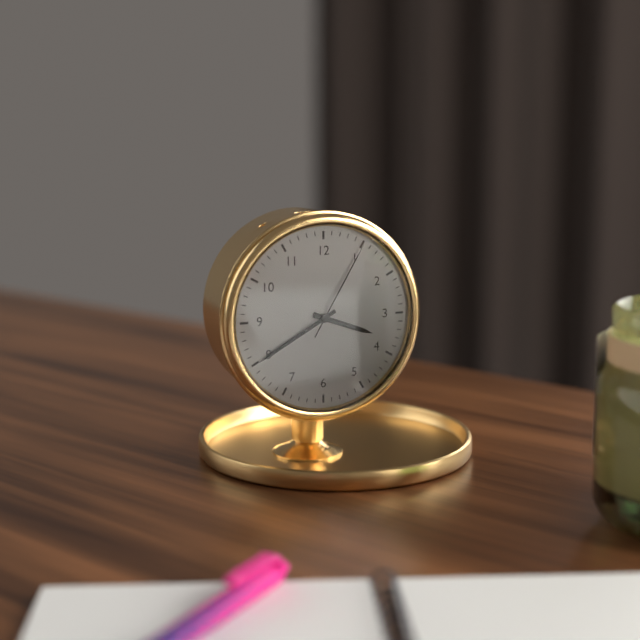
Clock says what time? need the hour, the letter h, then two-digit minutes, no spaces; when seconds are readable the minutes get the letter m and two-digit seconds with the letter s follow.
3h40m05s
